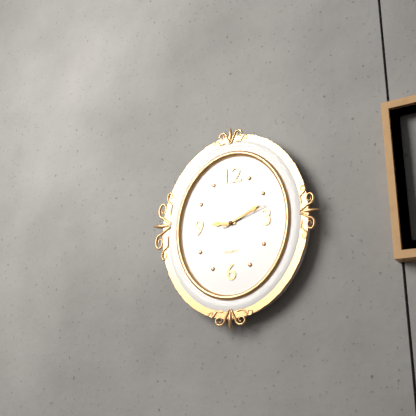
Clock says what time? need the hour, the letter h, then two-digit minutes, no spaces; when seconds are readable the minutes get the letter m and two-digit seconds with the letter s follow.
9h11
